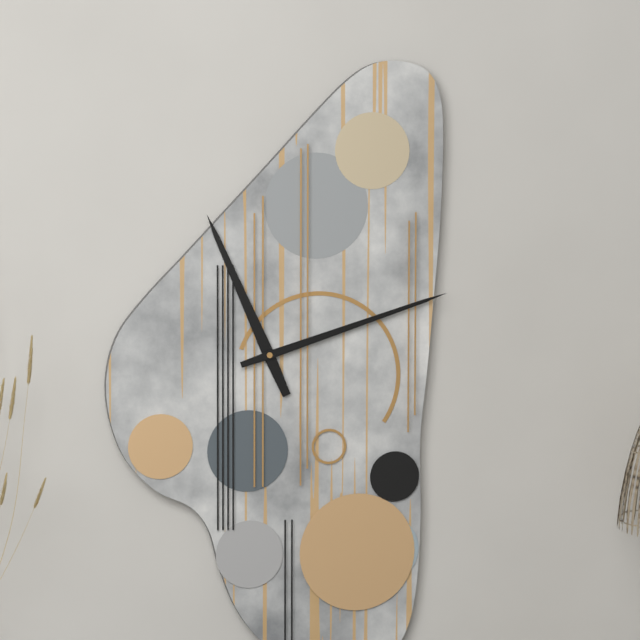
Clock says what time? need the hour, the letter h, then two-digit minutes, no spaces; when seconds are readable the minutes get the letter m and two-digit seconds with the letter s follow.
11h12
